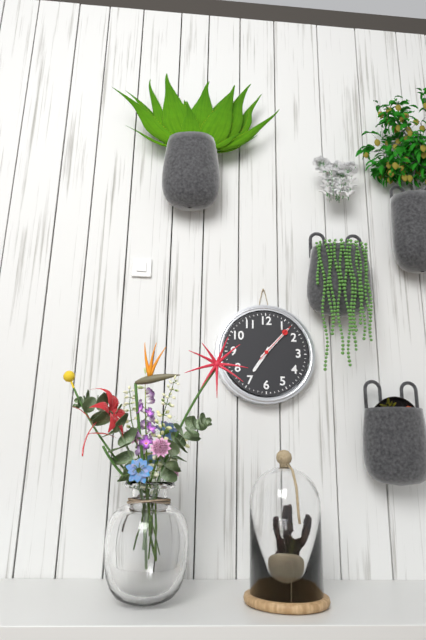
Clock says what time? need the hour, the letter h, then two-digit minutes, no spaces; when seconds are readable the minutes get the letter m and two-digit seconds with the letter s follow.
7h07m07s
